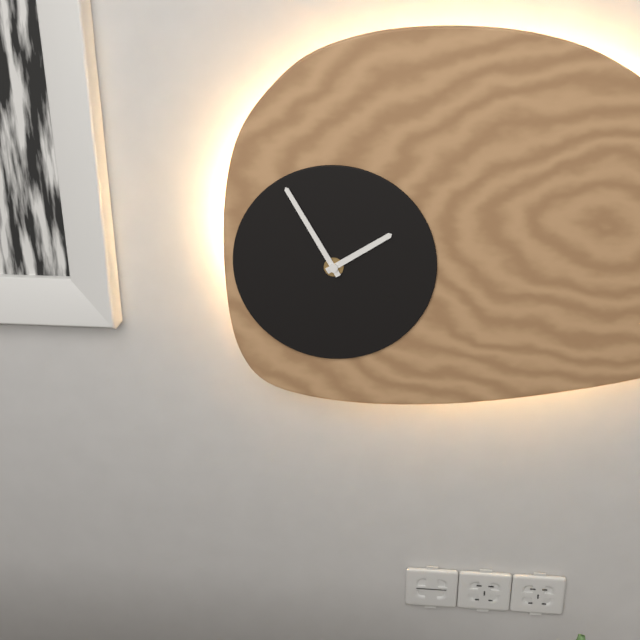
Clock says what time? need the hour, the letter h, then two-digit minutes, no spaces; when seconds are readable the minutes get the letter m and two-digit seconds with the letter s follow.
1h55
